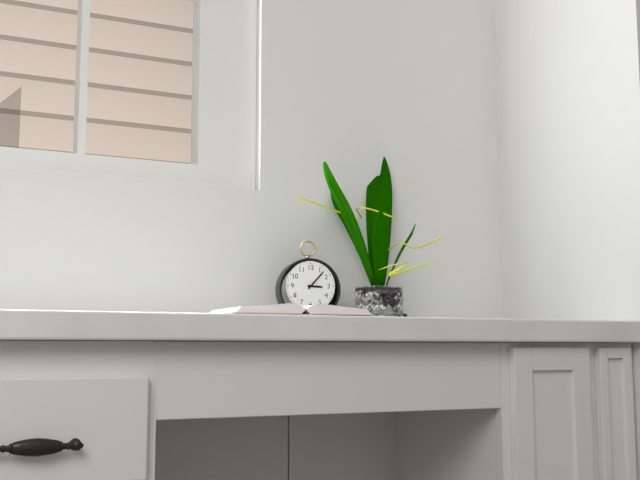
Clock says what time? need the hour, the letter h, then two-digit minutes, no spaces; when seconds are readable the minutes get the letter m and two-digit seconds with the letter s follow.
3h07
